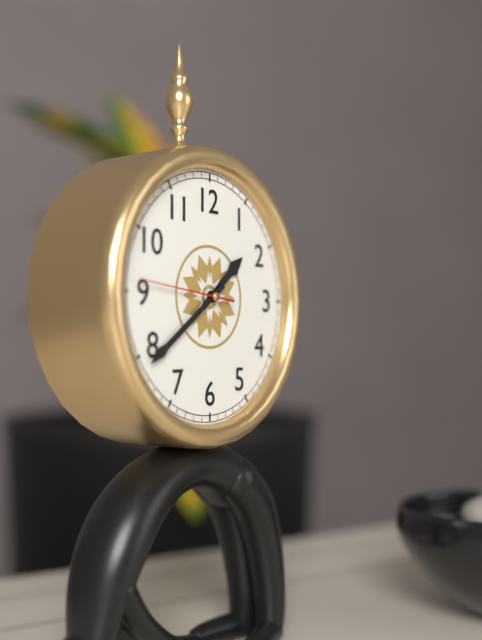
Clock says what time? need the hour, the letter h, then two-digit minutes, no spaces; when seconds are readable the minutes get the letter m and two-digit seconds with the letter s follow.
1h39m46s
